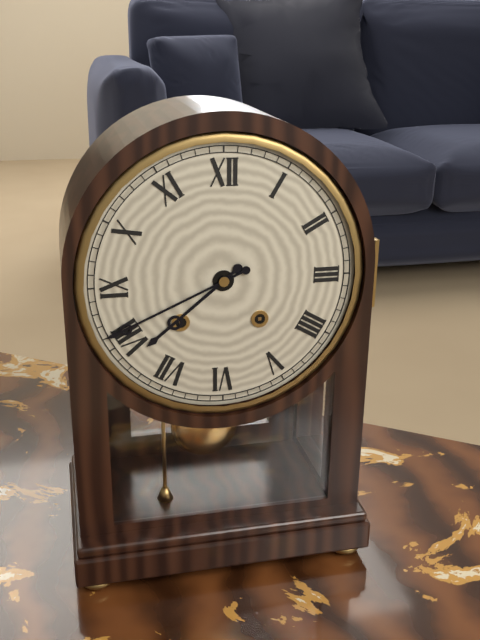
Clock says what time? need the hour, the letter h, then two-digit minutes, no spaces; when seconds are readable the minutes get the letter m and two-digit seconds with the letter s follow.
7h41
